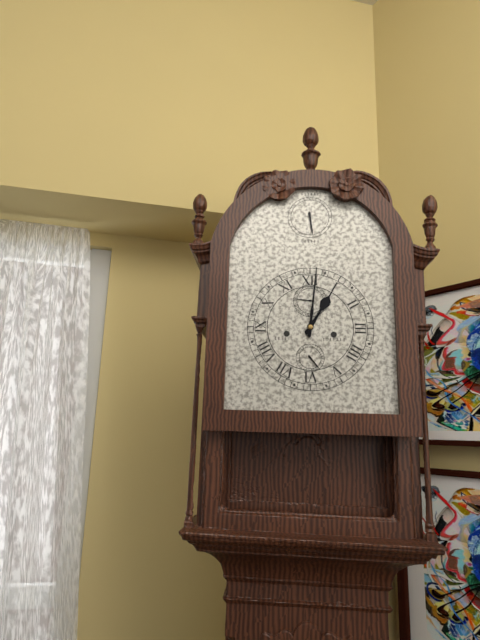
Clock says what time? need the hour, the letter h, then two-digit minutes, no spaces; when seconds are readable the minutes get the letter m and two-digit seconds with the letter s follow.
1h01
